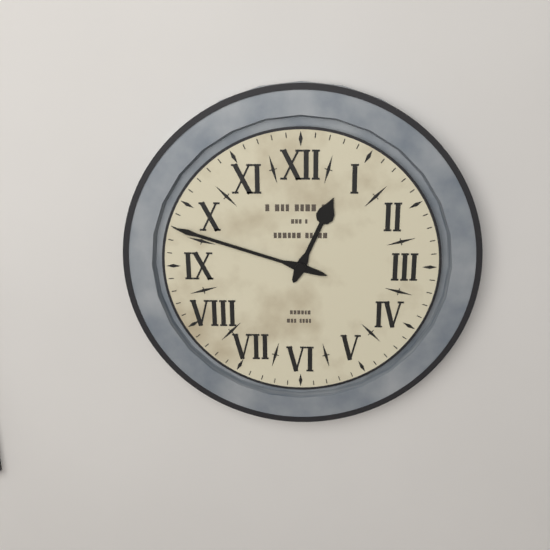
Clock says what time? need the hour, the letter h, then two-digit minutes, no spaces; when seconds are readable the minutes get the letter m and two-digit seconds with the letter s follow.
12h48
